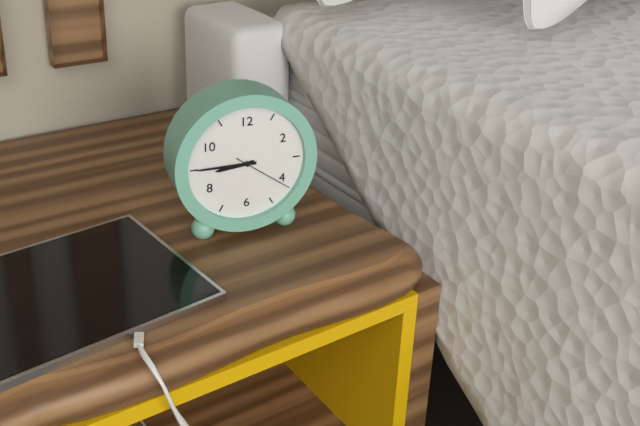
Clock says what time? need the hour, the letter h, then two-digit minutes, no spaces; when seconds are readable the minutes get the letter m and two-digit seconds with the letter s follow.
8h45m21s
